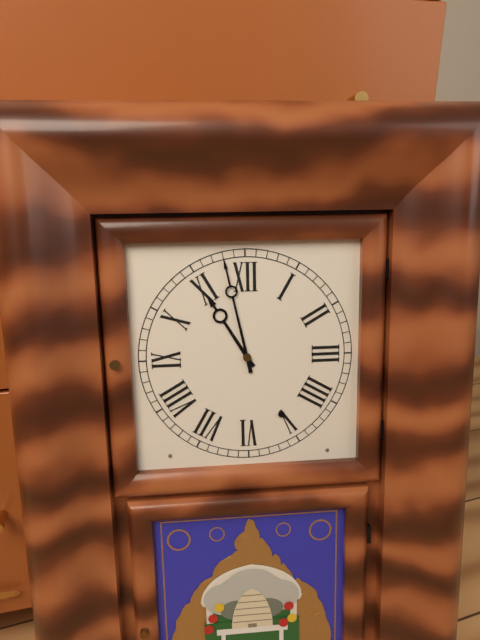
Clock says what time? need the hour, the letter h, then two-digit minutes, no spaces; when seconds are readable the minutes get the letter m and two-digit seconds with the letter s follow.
10h58
